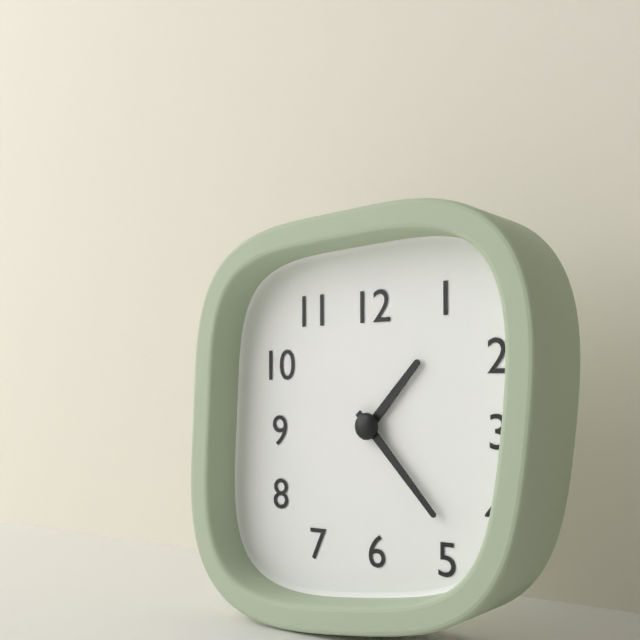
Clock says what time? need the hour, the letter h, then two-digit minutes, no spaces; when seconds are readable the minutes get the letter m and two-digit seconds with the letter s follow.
1h23
